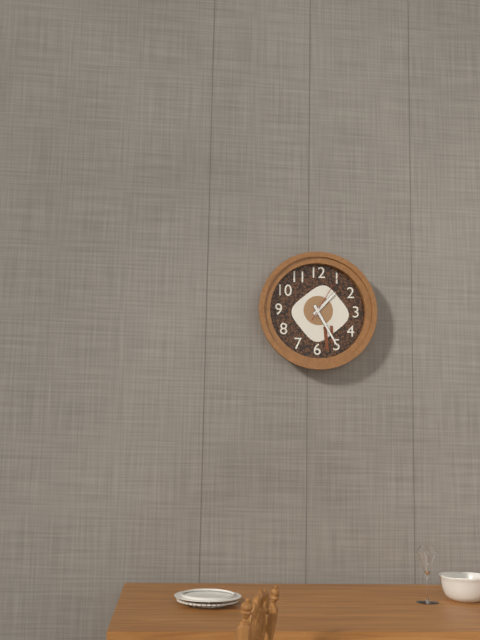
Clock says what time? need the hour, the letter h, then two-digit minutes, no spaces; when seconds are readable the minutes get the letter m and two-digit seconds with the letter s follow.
1h25m05s
